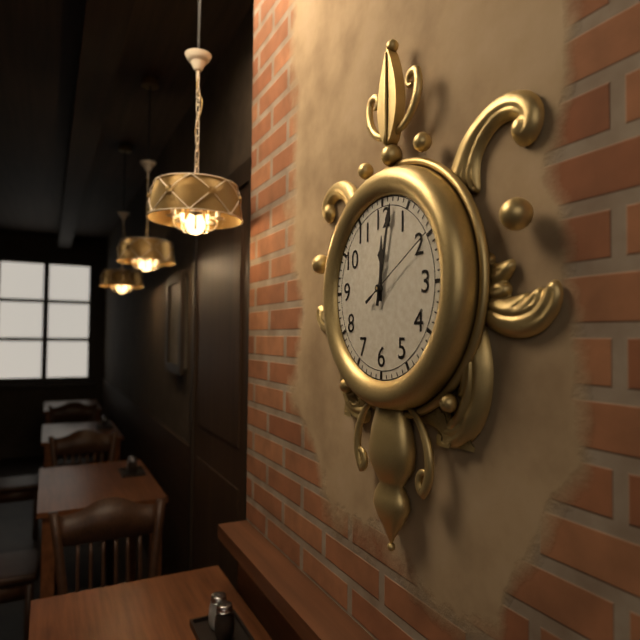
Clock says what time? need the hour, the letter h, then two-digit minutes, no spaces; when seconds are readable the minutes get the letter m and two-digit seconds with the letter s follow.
12h02m10s
